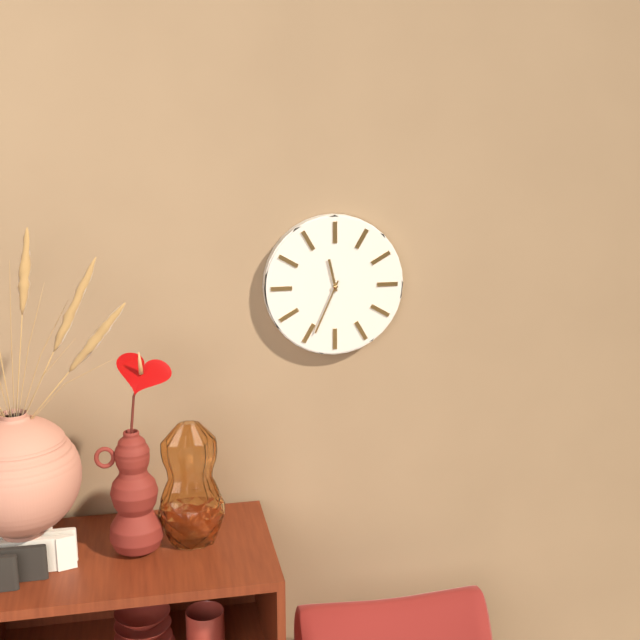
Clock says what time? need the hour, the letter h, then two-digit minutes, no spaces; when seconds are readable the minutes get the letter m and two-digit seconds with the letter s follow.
11h34
